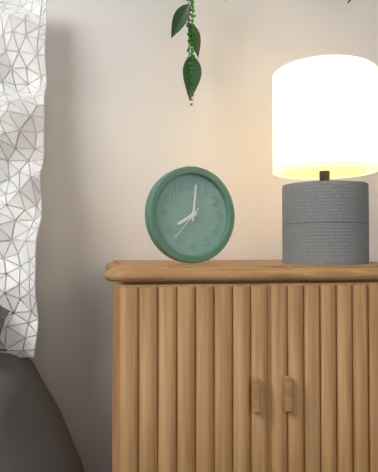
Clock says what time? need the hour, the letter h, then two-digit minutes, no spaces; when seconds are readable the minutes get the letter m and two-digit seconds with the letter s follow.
8h01
